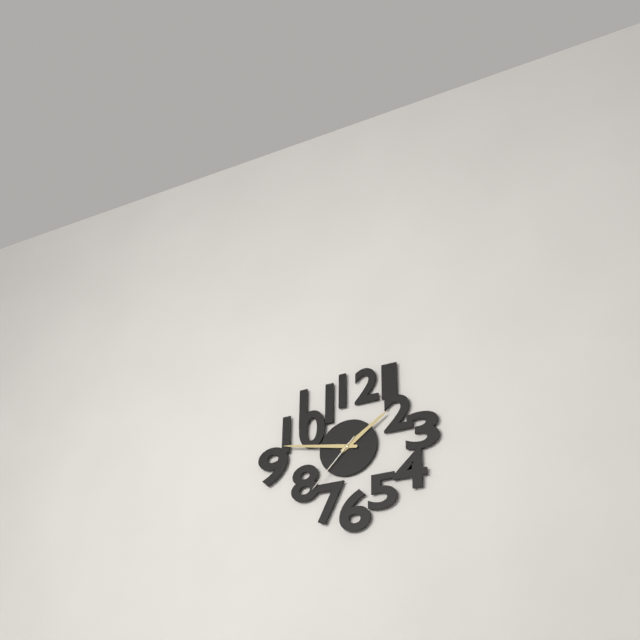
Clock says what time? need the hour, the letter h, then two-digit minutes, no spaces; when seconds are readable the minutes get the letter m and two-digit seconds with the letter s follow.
1h47m37s
